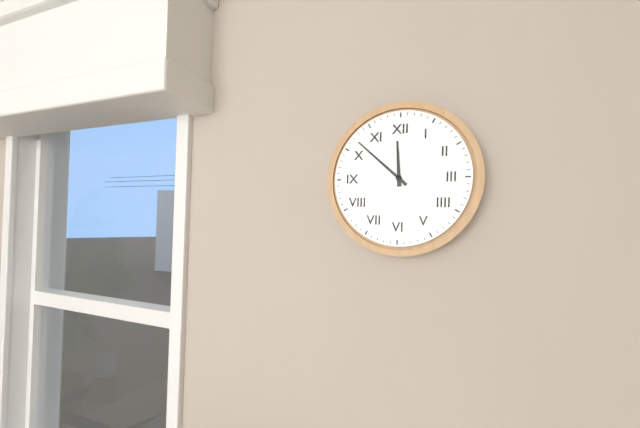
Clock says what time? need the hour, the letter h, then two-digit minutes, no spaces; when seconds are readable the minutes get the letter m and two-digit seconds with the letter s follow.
11h52
